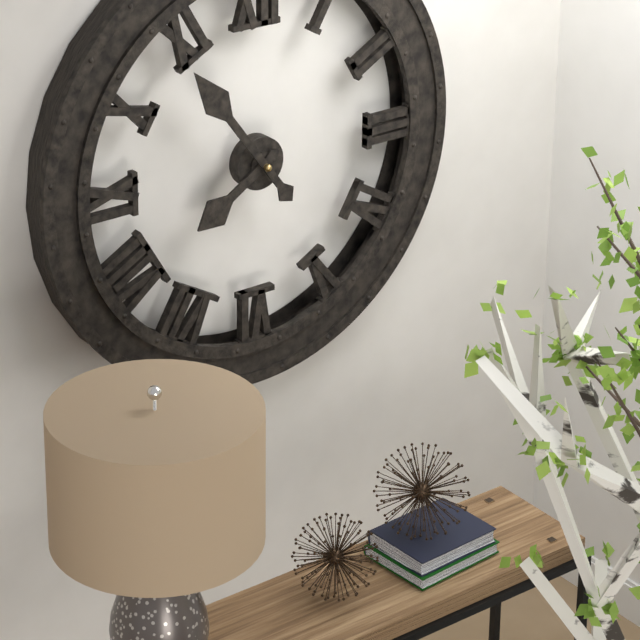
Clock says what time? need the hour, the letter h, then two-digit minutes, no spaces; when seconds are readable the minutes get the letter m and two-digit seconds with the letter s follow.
7h54
